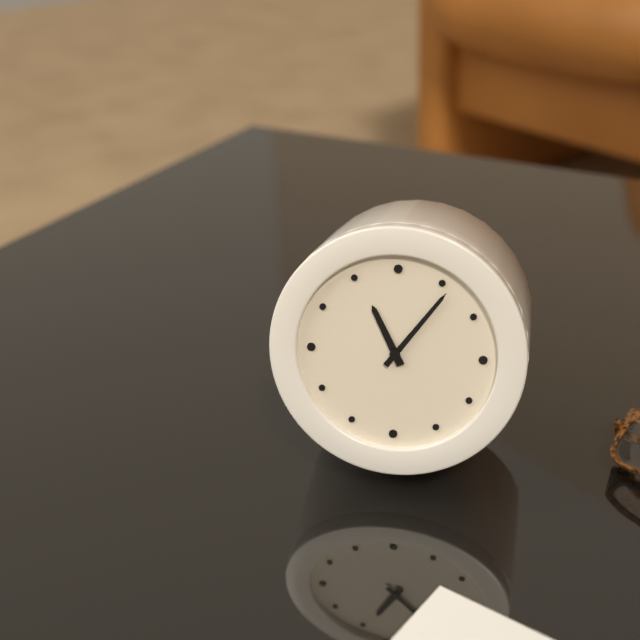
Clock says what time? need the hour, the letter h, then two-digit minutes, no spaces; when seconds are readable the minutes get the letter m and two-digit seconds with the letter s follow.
11h06
